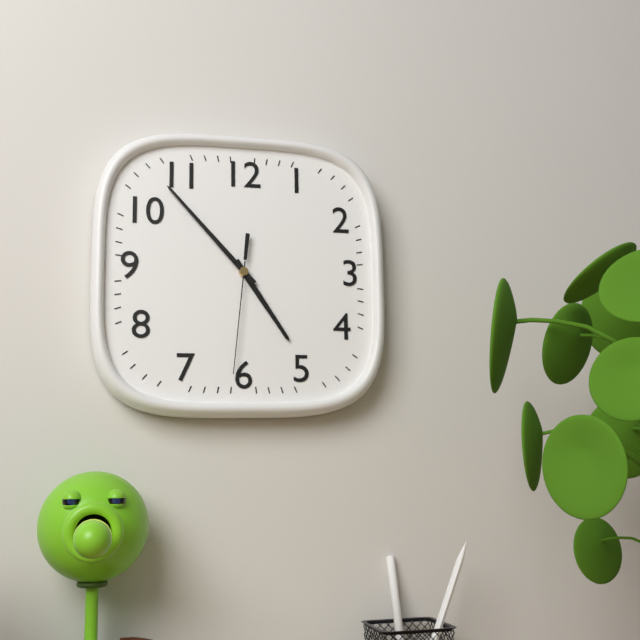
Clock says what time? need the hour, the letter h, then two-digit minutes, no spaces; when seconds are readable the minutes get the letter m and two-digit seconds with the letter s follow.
4h53m31s
